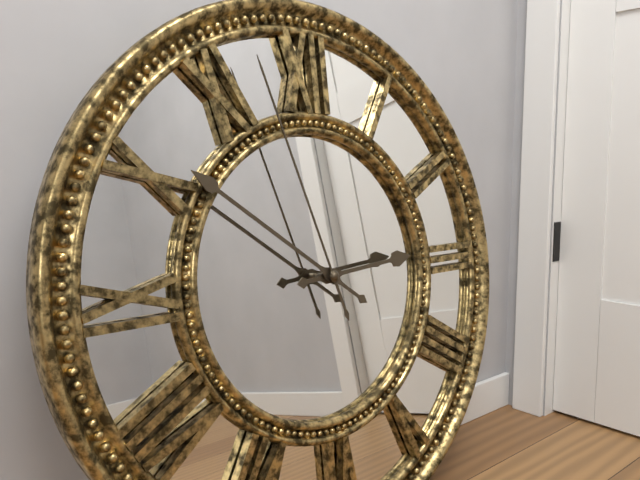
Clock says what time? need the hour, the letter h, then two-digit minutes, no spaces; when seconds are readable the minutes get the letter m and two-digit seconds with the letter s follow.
2h51m57s
